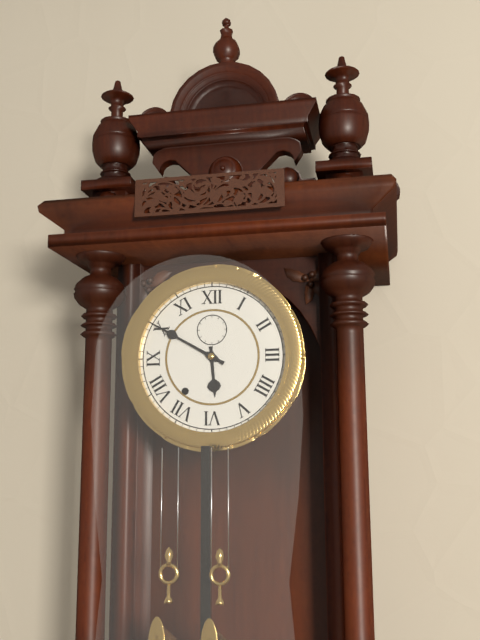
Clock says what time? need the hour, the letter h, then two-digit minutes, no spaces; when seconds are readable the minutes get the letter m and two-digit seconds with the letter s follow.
5h50
